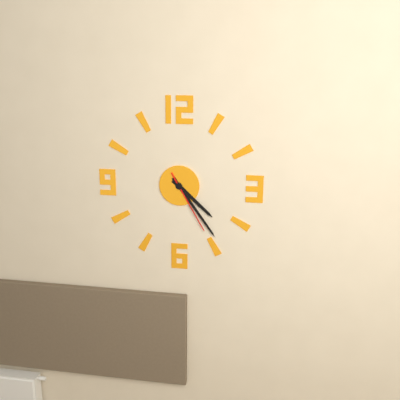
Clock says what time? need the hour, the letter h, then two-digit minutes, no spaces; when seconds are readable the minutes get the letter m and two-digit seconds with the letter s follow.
4h24m25s
